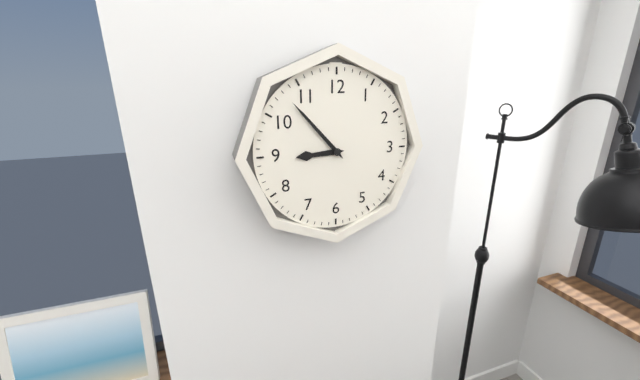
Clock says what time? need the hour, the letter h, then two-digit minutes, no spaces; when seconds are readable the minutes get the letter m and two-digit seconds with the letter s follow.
8h53
